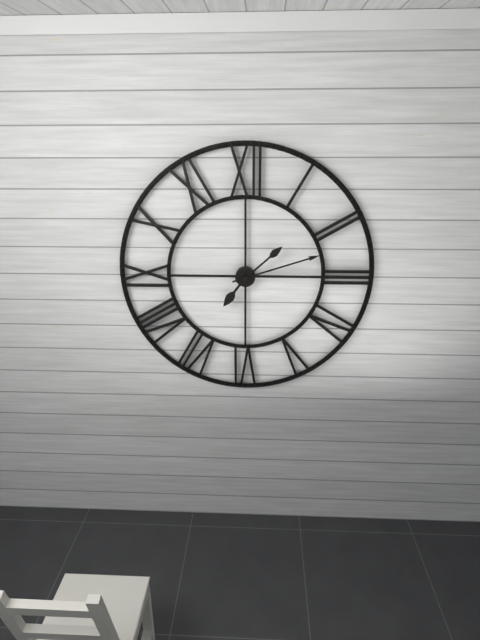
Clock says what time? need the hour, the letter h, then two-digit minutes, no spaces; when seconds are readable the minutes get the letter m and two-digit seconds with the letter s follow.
7h12m08s
